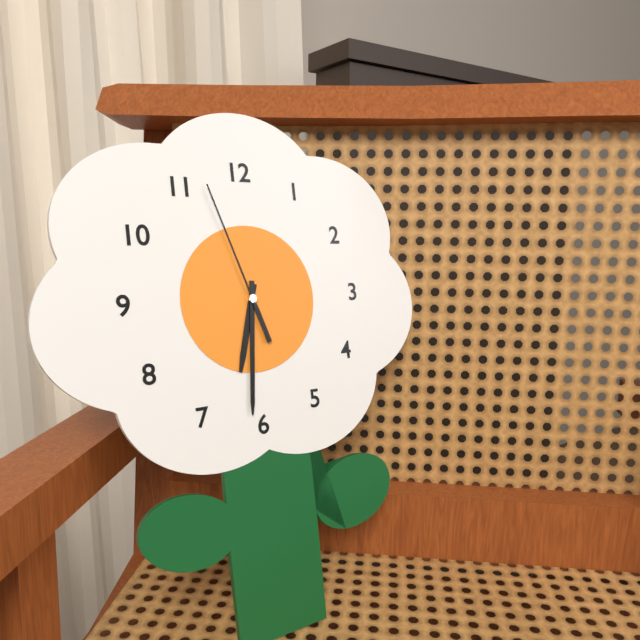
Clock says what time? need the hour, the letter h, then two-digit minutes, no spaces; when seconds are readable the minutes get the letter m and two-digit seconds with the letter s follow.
6h31m57s
